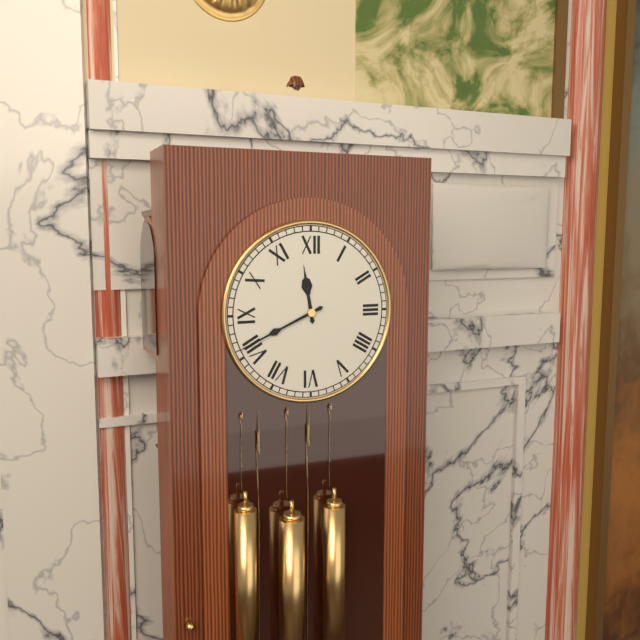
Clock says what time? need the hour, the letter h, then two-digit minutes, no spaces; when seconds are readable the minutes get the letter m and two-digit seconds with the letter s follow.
11h41
